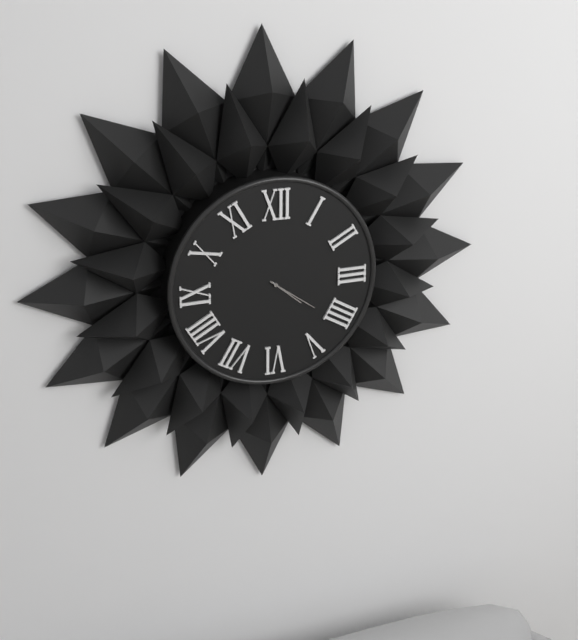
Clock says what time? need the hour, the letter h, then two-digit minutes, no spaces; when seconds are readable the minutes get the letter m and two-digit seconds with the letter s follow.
4h21
